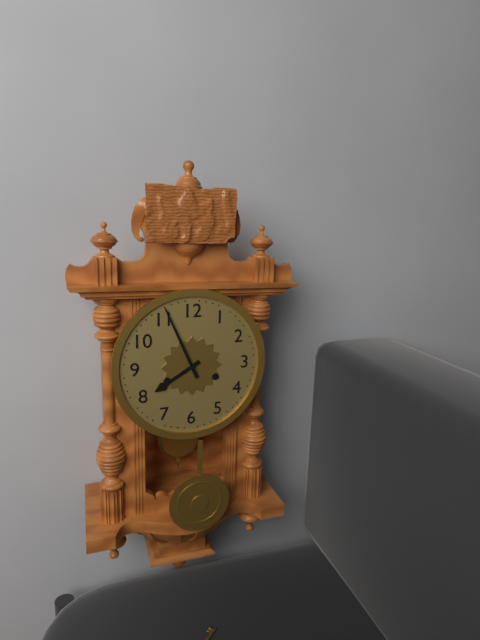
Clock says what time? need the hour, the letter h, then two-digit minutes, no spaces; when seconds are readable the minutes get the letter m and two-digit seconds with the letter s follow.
7h56
